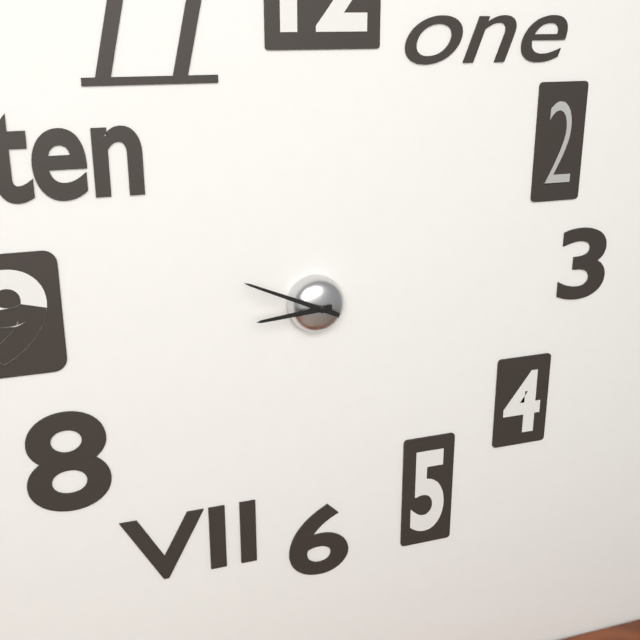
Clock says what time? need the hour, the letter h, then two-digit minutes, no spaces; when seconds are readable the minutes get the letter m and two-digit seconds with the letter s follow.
8h49
